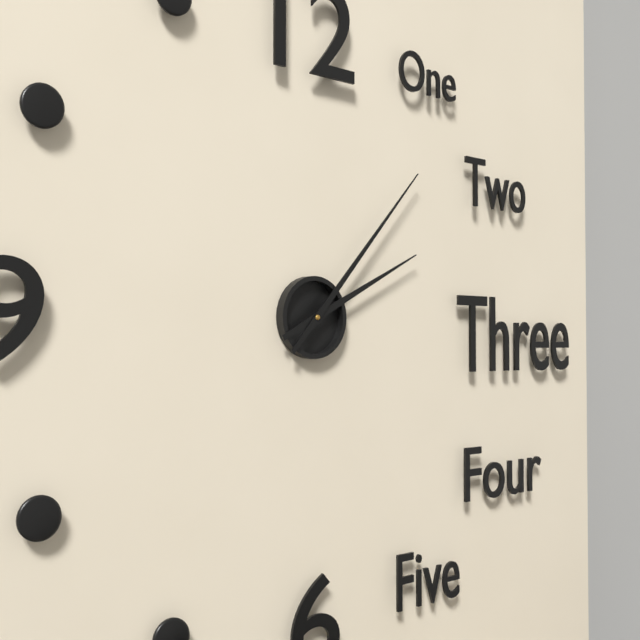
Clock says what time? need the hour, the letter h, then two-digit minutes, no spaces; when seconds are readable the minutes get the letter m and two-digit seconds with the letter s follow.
2h07
